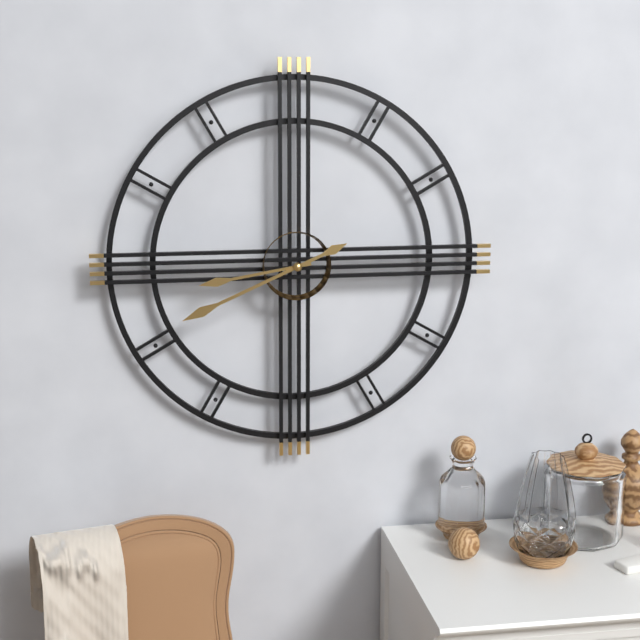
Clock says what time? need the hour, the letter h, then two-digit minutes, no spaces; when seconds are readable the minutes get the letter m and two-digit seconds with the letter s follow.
8h41
